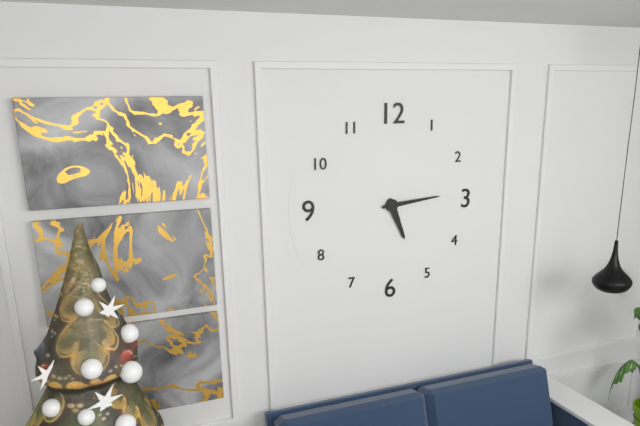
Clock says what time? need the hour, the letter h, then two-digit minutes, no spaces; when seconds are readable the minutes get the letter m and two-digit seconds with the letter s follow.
5h14
